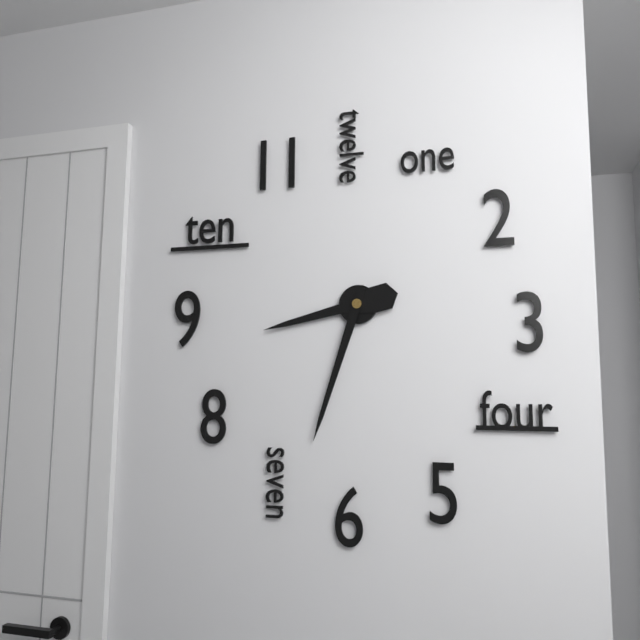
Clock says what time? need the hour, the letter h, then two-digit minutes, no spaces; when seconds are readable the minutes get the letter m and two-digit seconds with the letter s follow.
8h33
